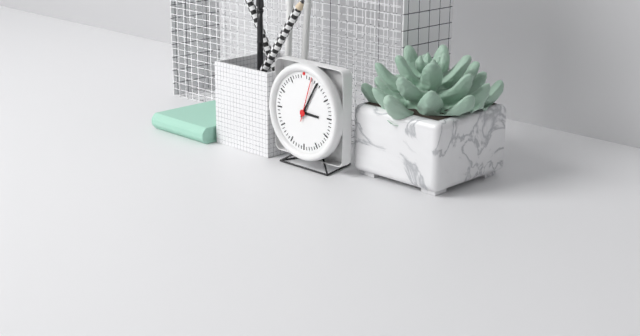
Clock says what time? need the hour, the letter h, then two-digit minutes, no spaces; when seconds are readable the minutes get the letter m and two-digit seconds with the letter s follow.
3h05
